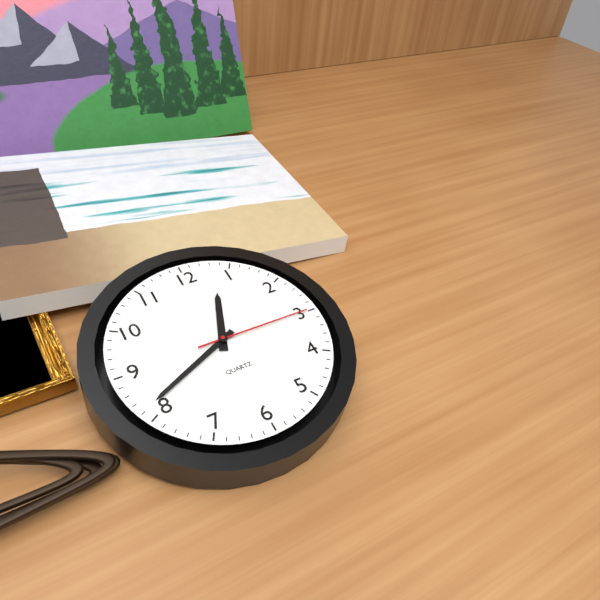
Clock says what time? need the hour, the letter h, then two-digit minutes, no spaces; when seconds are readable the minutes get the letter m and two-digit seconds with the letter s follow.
12h41m15s
